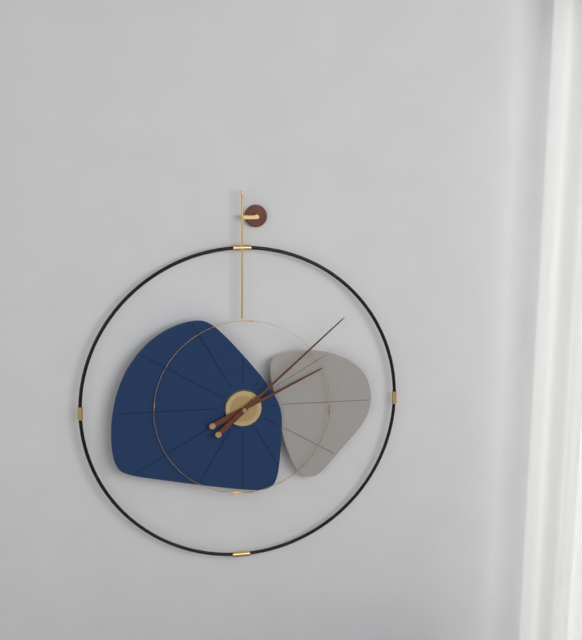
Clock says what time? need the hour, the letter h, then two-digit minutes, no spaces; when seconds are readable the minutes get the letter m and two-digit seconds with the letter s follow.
2h08
